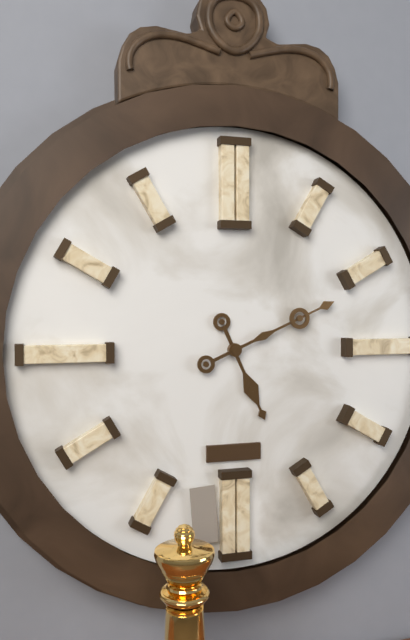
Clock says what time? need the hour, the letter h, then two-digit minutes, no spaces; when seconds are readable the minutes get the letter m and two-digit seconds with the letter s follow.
5h11
